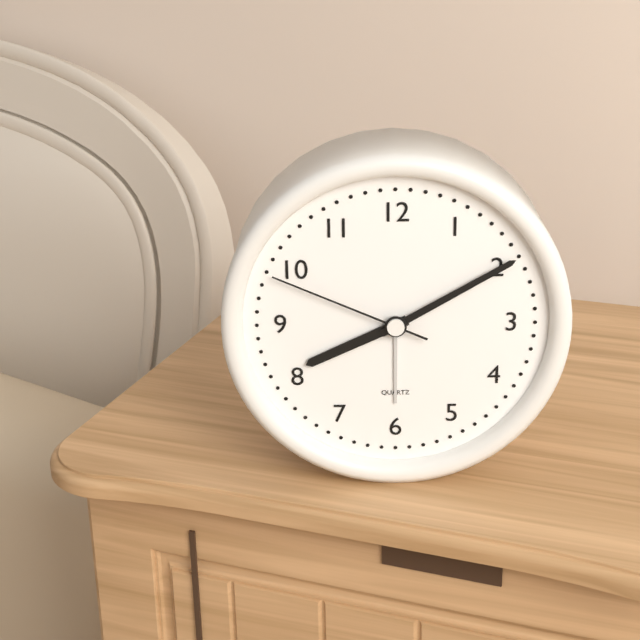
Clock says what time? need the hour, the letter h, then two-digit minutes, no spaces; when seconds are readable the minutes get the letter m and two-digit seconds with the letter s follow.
8h10m49s
